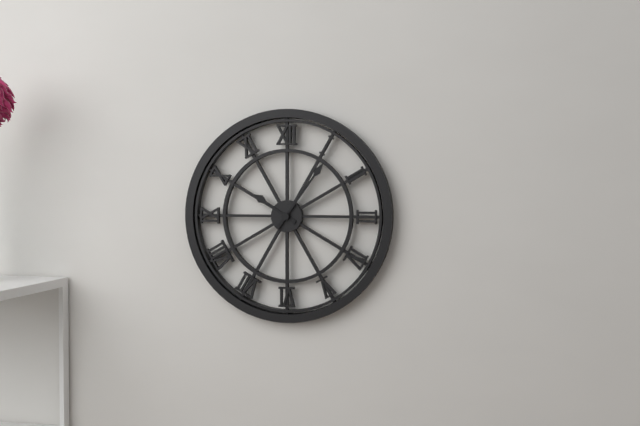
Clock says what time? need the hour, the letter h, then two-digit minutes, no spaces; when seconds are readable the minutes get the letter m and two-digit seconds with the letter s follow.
10h06
